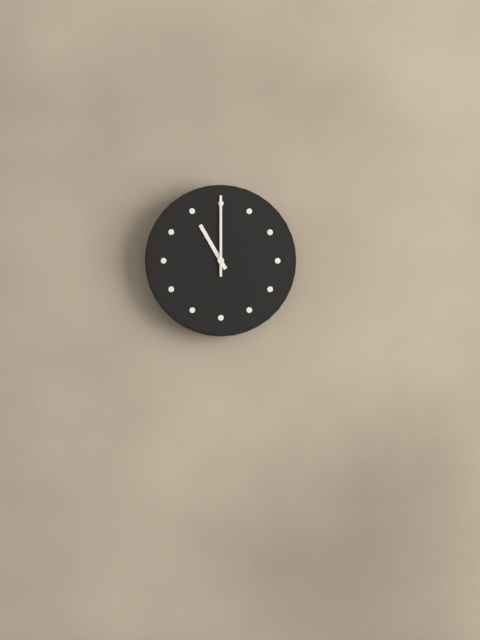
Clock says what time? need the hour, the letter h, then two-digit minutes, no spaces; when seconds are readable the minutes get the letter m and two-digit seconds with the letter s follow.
11h00
